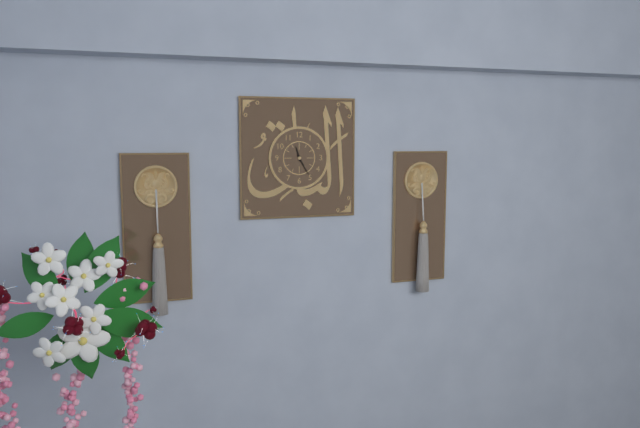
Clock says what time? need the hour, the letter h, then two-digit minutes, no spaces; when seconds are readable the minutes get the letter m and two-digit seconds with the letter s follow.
11h25
